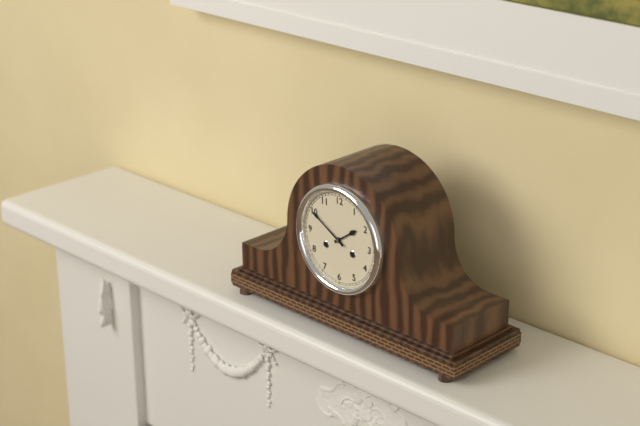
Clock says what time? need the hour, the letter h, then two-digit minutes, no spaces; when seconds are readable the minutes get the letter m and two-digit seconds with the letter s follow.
1h50
